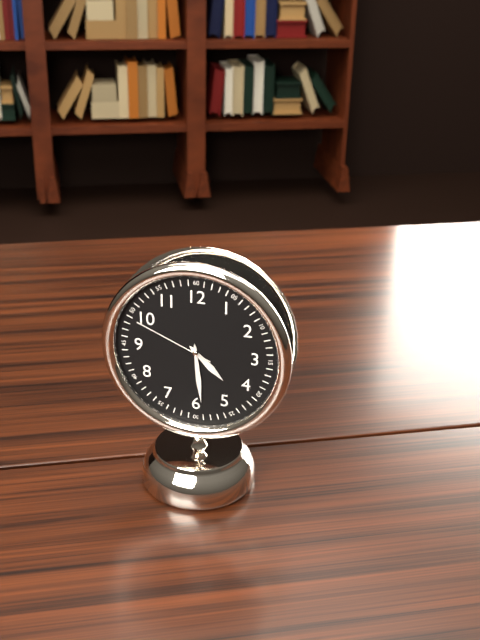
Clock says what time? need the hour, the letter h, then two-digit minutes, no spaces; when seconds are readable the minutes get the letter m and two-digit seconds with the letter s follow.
4h29m49s
